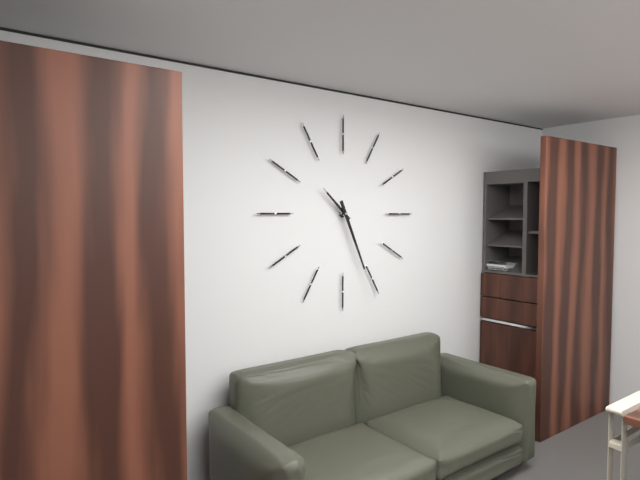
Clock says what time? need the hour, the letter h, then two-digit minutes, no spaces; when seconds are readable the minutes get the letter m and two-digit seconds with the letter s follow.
10h26
